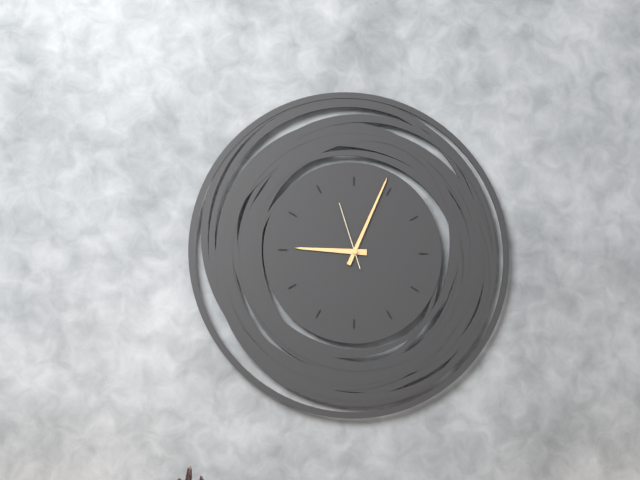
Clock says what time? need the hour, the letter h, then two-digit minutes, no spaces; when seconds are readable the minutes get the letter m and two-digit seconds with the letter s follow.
9h04m57s
